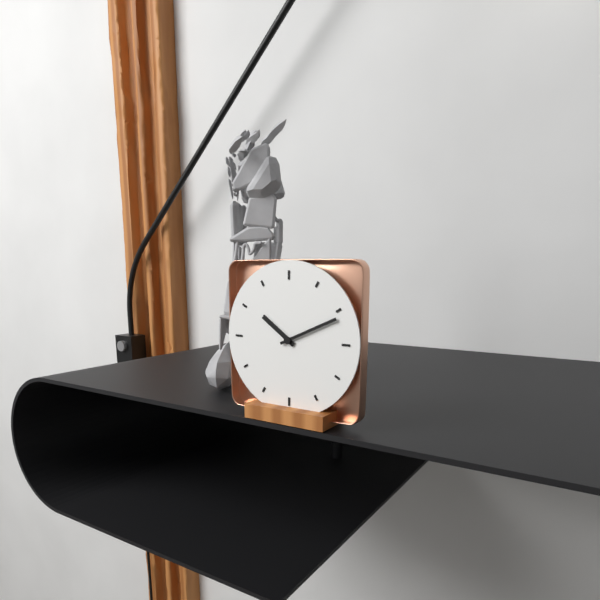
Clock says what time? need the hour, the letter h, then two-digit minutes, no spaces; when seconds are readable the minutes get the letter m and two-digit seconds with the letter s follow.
10h11
